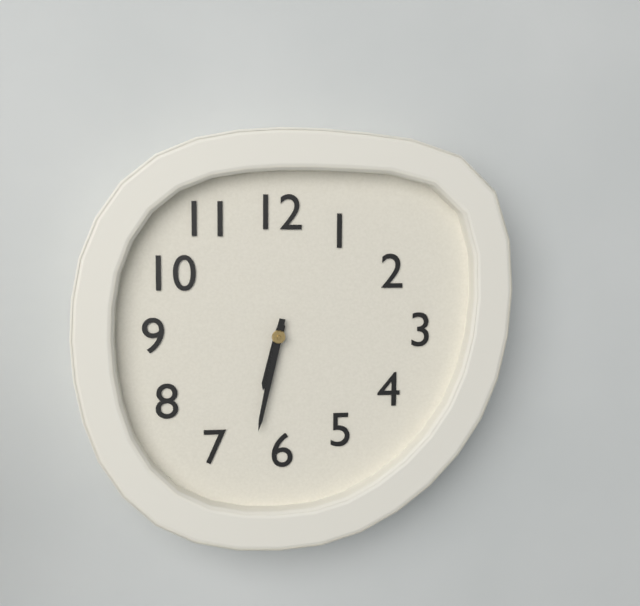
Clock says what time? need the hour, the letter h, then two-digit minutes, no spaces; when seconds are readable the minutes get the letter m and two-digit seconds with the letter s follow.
6h32
